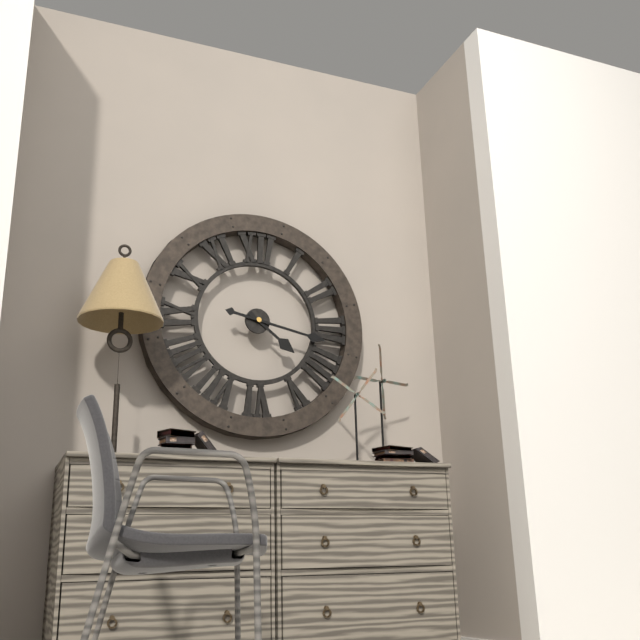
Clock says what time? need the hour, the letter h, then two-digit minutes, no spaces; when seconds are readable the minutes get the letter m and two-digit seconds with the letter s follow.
4h17
